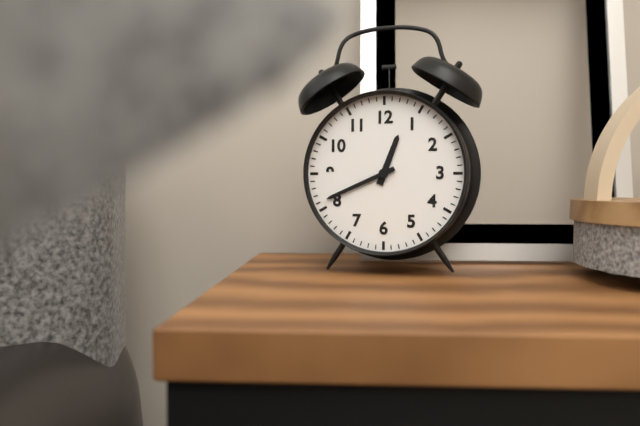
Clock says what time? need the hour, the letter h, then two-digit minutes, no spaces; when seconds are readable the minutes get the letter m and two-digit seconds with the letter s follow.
12h41
